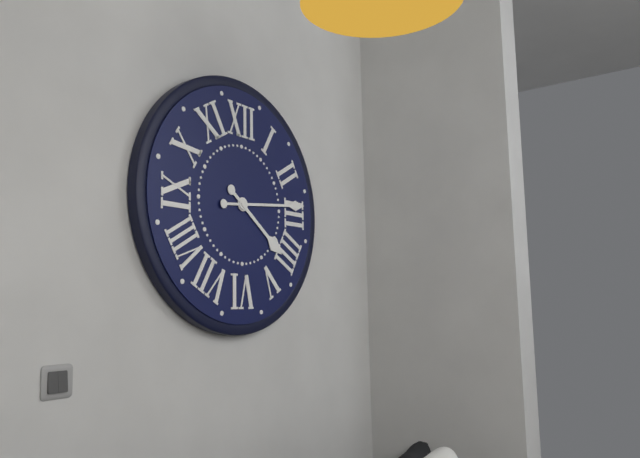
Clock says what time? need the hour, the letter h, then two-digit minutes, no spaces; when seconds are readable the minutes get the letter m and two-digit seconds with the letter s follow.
4h14
